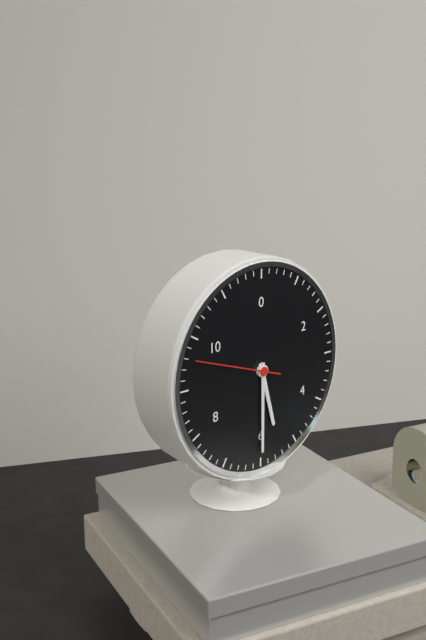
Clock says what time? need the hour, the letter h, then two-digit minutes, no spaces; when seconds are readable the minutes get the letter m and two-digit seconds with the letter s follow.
5h30m48s
